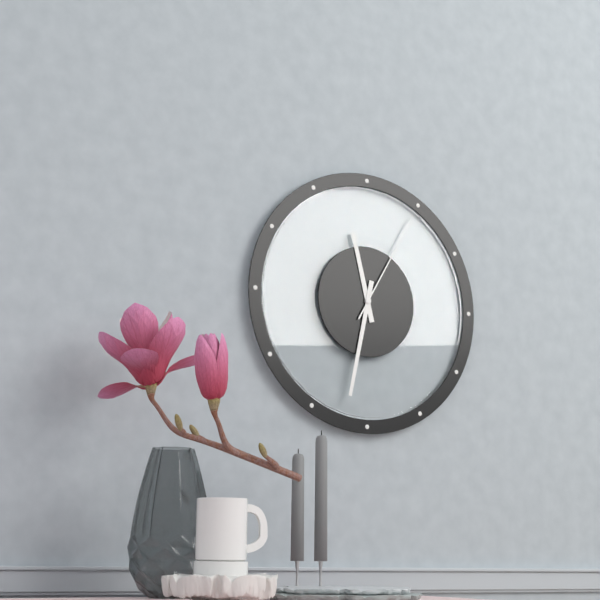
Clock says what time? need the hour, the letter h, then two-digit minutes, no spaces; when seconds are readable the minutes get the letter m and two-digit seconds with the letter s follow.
11h32m05s
